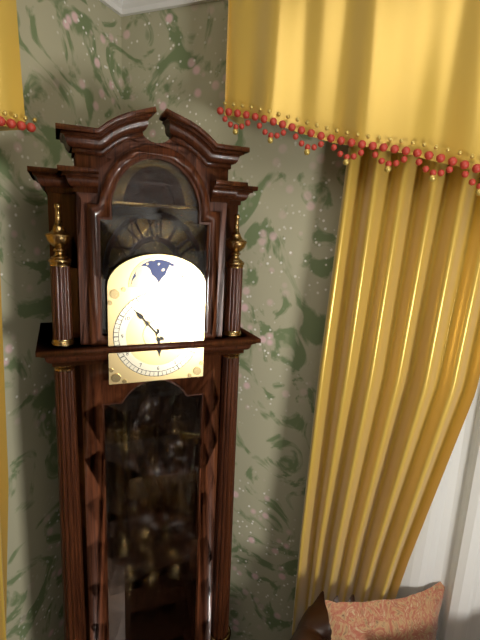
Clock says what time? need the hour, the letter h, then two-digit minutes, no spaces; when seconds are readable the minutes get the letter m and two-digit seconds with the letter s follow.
5h53
